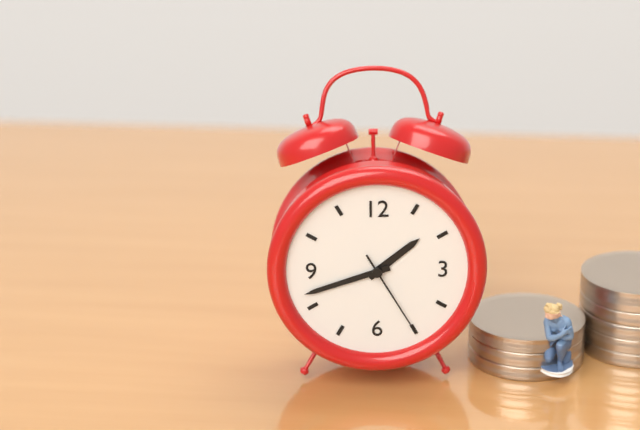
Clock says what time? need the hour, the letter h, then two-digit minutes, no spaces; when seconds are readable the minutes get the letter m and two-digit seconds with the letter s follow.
1h42m25s
